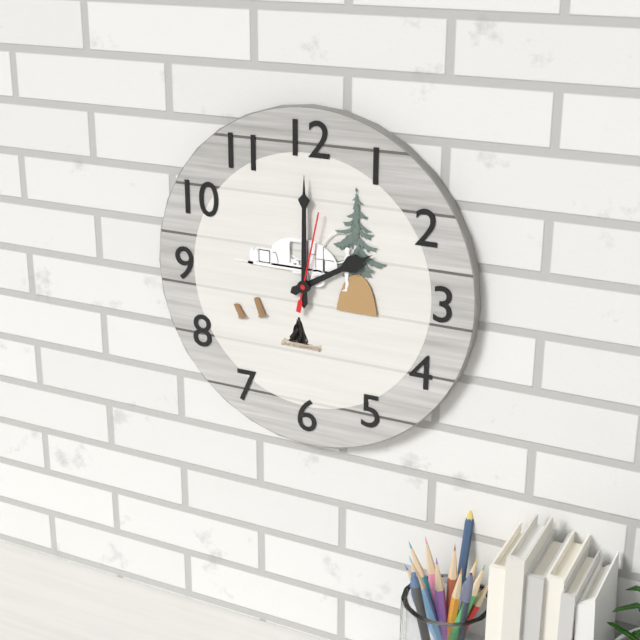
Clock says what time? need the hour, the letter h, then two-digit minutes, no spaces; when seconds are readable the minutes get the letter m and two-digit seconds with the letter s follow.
2h00m02s
